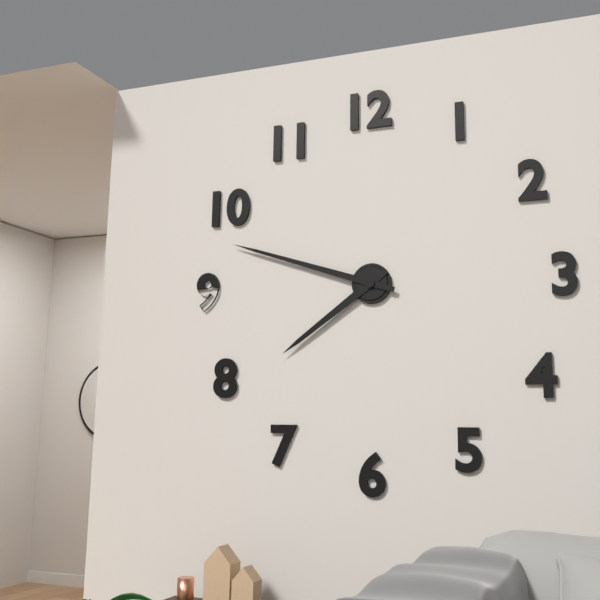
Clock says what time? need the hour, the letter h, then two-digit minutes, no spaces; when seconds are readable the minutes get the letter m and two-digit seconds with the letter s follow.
7h48
